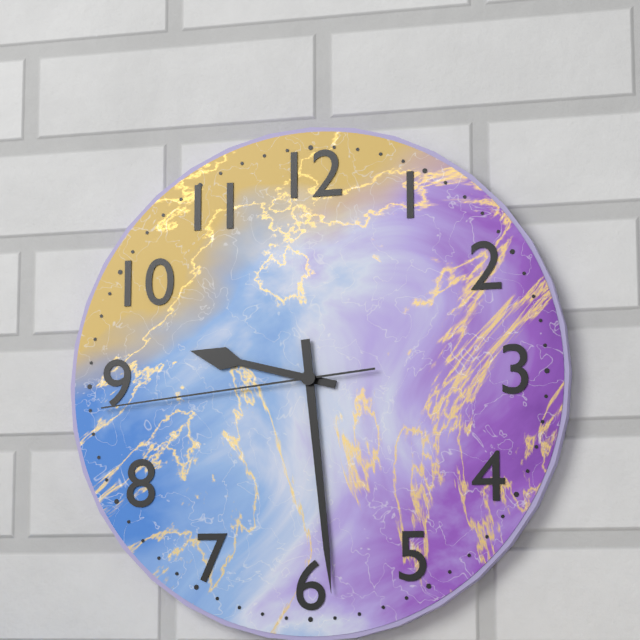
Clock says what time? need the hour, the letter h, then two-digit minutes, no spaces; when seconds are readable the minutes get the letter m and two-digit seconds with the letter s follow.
9h29m44s
